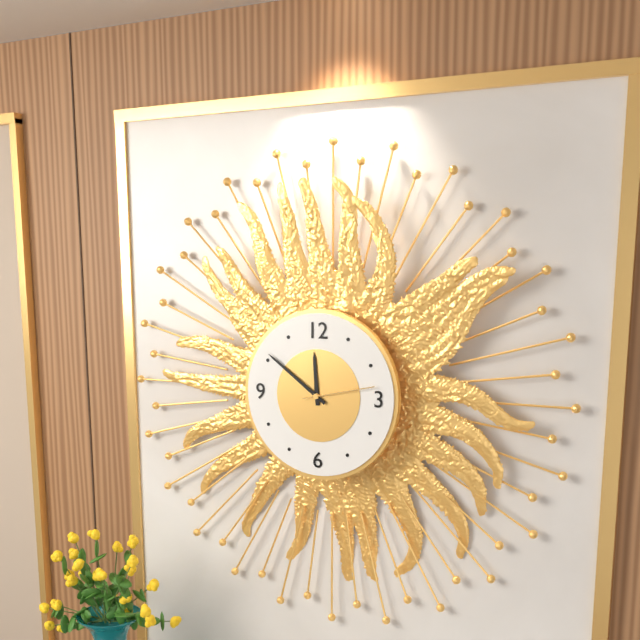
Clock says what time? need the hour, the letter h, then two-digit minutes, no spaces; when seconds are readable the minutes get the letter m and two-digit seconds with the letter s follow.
11h51m13s
